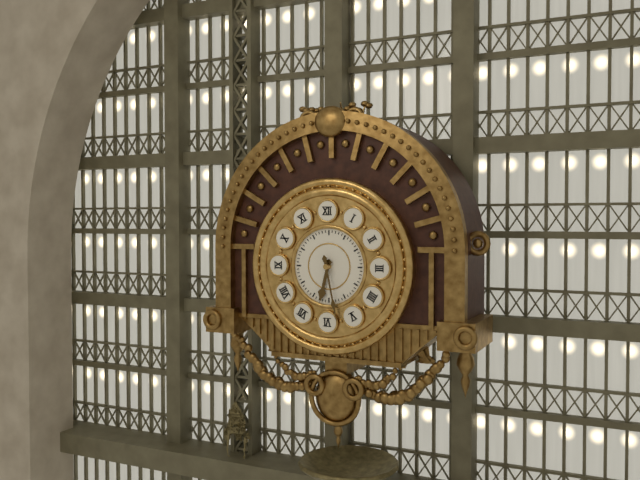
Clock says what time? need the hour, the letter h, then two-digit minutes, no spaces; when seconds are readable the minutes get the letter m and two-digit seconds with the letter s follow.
6h28
